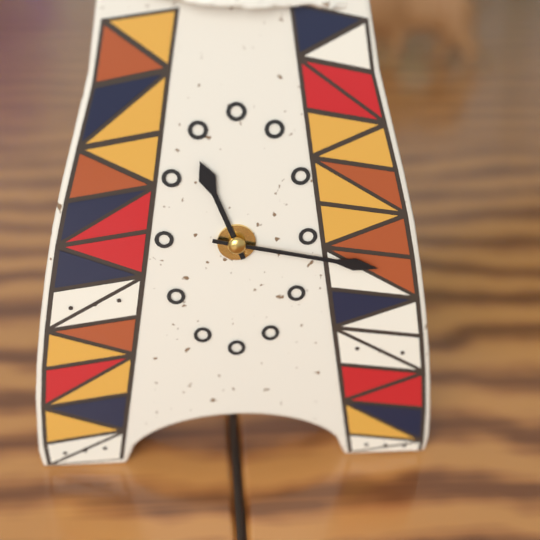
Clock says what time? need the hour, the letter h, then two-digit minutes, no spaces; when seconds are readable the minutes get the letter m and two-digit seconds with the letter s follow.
11h17
